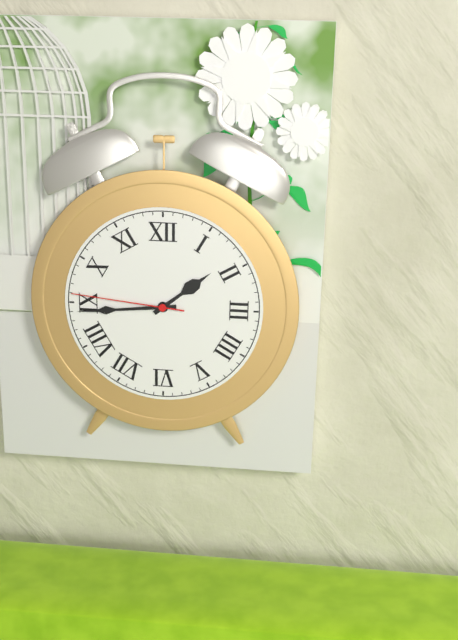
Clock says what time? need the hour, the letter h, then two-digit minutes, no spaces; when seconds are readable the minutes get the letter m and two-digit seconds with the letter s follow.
1h44m46s
